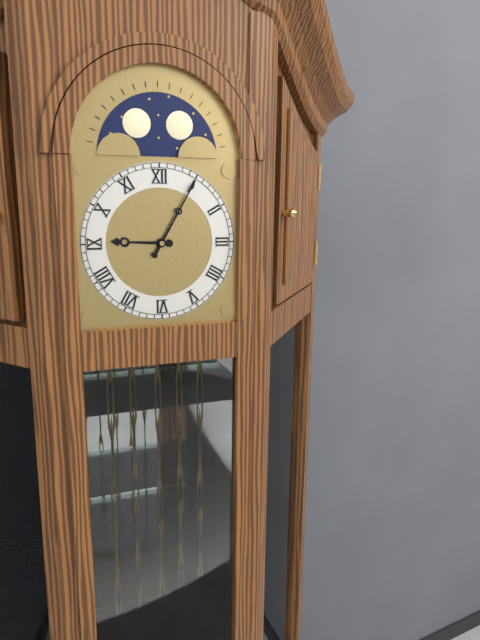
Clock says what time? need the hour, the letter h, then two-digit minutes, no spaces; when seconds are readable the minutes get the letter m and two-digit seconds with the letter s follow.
9h05
